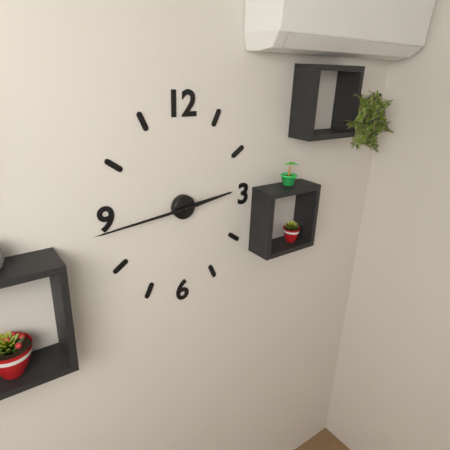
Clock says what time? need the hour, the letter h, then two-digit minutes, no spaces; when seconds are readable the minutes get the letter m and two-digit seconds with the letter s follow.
2h44
